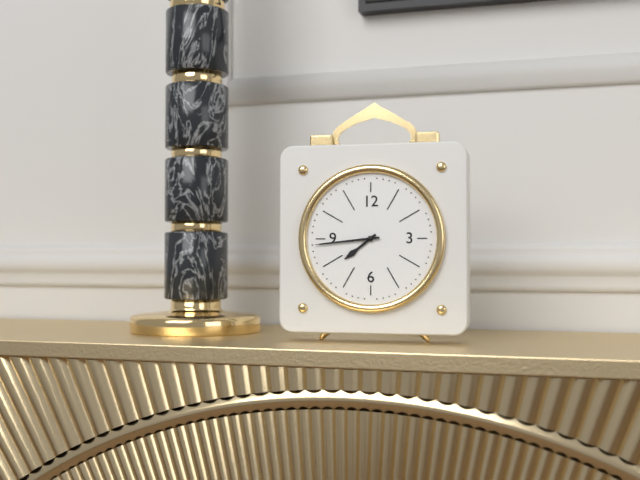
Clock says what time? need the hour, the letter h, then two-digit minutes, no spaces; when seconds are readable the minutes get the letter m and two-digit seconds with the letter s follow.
7h44
